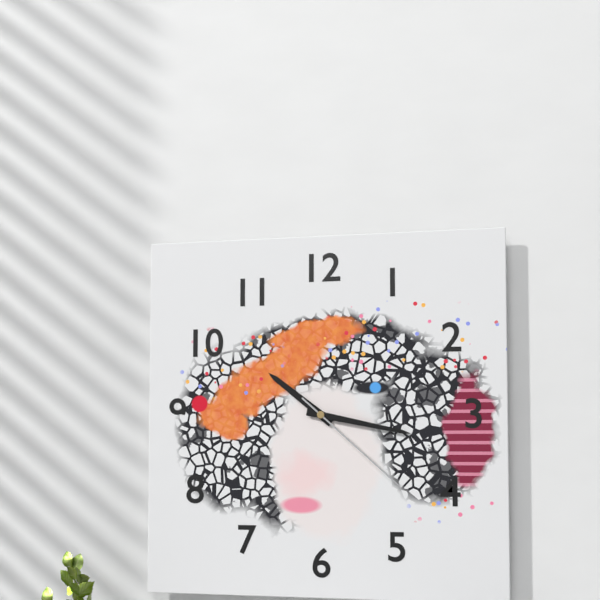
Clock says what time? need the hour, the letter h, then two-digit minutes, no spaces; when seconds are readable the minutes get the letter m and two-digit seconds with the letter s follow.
10h17m22s
